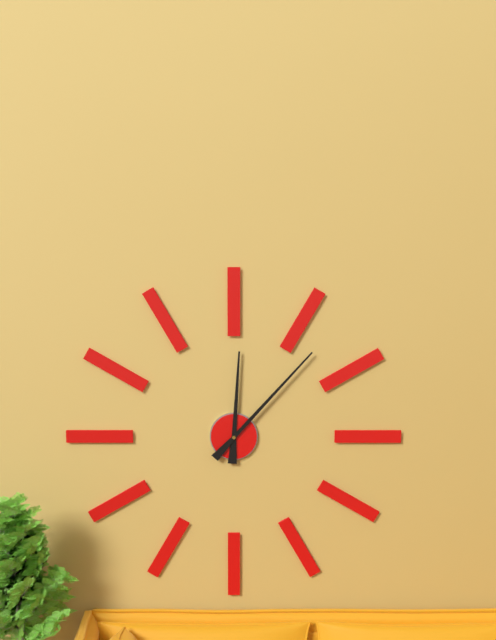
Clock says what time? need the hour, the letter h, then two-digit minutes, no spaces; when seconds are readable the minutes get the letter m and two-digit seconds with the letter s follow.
12h07
